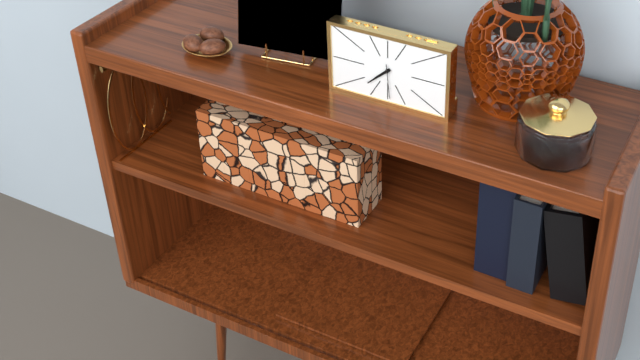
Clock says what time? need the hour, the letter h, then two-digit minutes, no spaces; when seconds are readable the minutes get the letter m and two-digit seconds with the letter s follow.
7h38
